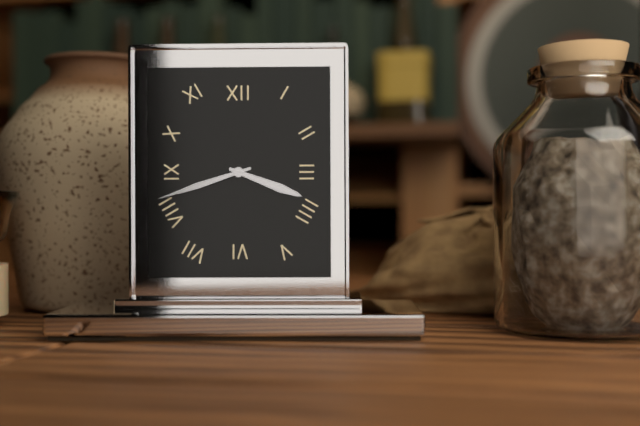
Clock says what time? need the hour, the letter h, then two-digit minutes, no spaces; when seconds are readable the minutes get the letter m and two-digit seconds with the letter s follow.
3h42
